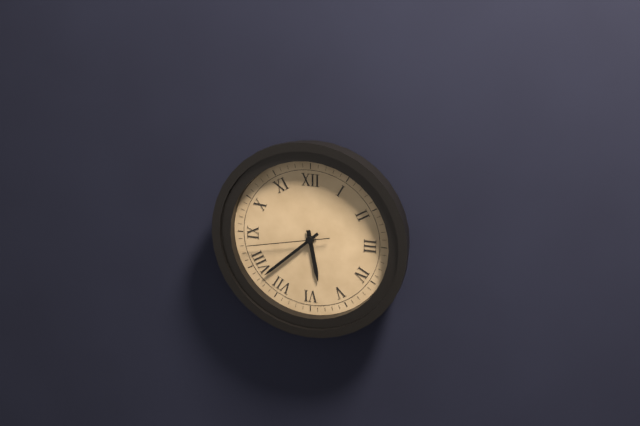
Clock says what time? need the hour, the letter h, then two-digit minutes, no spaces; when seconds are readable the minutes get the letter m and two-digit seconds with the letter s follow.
5h38m43s
